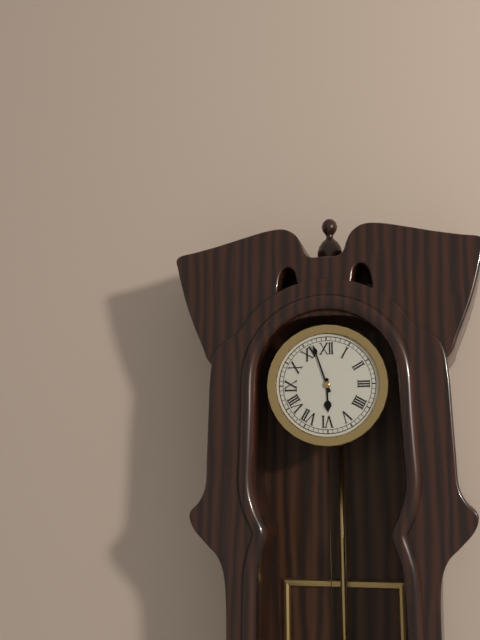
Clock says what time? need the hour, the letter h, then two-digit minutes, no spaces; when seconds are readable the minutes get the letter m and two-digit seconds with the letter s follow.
5h57
